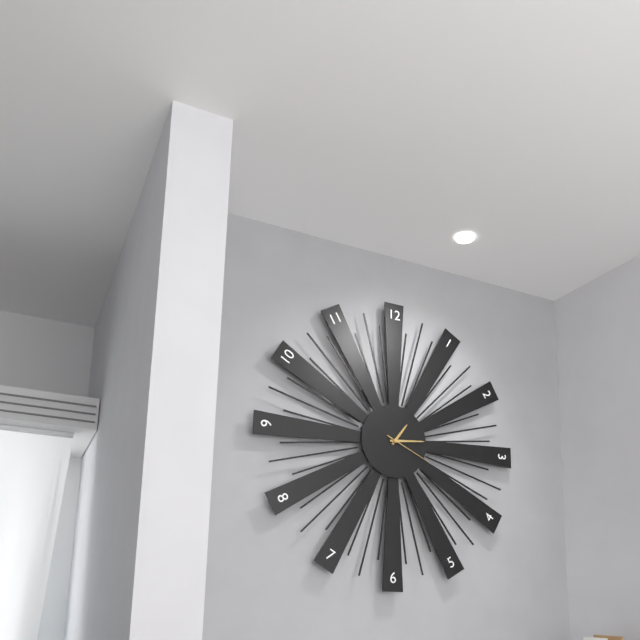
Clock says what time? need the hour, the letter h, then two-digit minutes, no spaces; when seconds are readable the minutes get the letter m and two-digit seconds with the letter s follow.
1h14m19s
